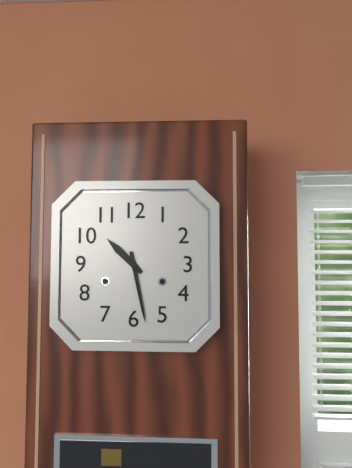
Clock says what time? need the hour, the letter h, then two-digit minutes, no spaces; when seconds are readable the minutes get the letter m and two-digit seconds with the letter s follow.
10h28
